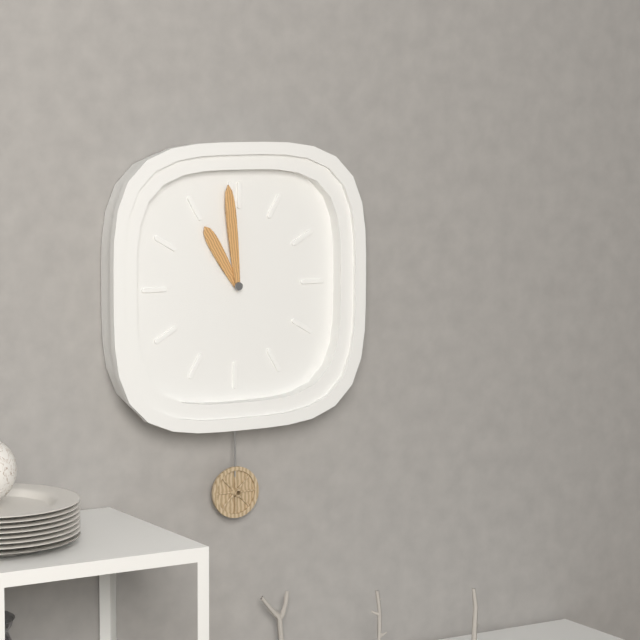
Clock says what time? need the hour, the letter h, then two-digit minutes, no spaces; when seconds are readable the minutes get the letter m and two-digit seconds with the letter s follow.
10h59
